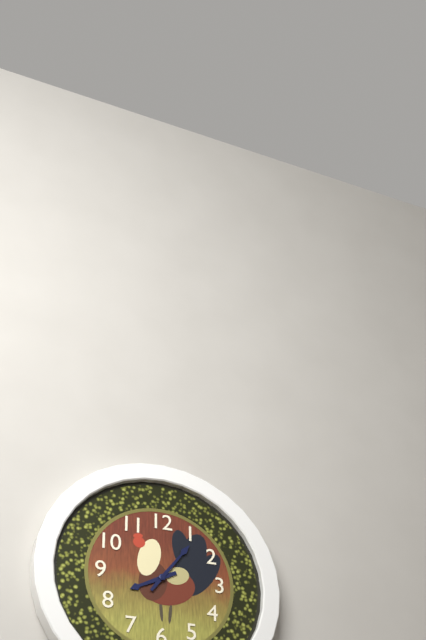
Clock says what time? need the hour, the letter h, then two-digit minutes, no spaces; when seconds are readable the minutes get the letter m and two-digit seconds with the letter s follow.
8h06
